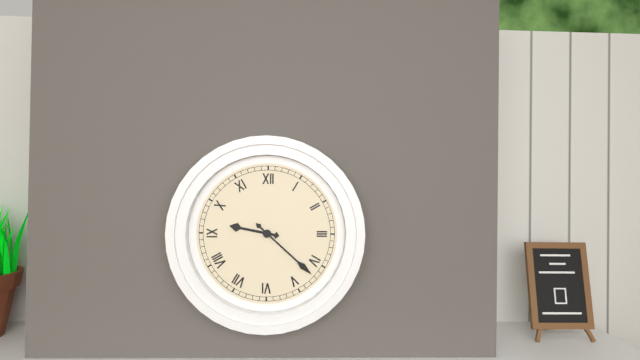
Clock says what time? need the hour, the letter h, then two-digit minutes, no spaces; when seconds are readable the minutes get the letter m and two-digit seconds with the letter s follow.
9h22
